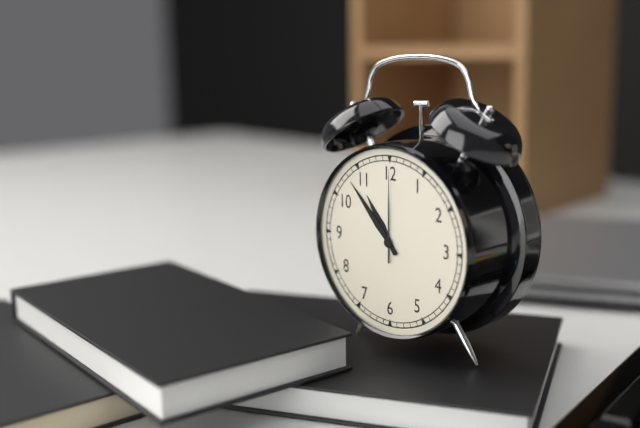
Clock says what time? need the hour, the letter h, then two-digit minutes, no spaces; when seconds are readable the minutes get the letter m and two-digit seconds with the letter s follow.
10h53m00s
